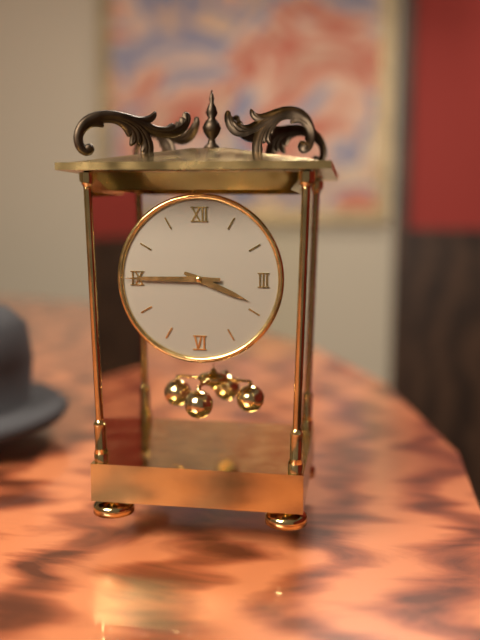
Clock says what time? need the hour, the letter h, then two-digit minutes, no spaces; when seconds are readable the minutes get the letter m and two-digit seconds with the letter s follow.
3h45
